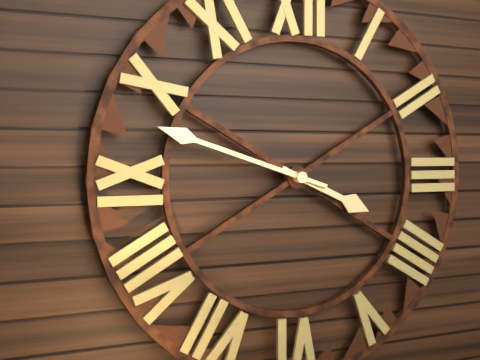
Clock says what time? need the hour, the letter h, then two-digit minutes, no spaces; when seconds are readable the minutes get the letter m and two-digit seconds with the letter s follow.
3h48
